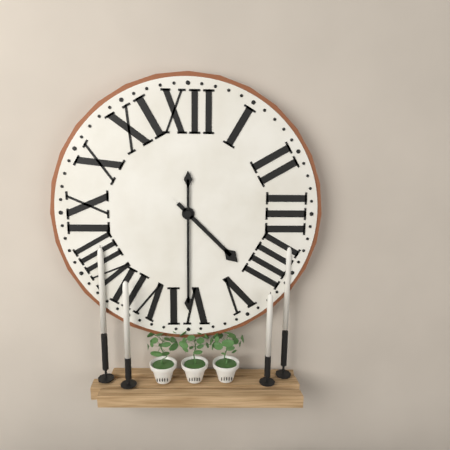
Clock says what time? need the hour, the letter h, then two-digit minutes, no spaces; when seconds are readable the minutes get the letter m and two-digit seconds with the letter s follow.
4h30
